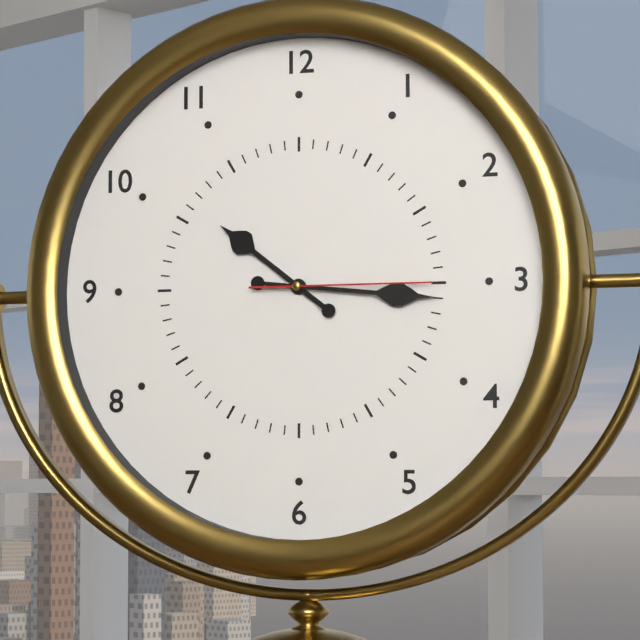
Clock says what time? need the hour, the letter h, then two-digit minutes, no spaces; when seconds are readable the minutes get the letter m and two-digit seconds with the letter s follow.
10h16m15s
